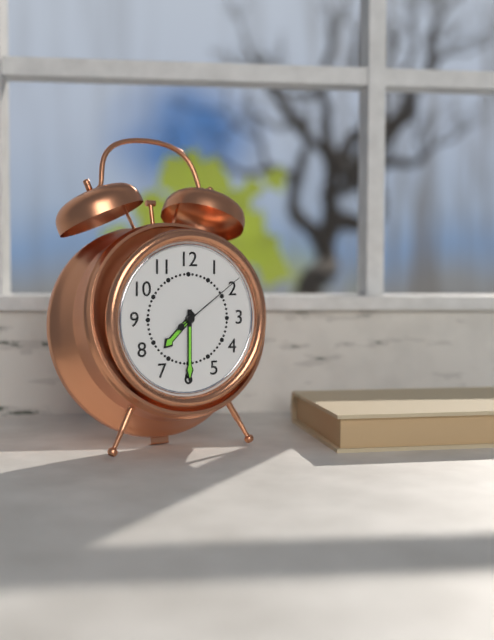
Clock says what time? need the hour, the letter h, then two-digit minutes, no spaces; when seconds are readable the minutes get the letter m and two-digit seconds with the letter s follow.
7h30m09s
